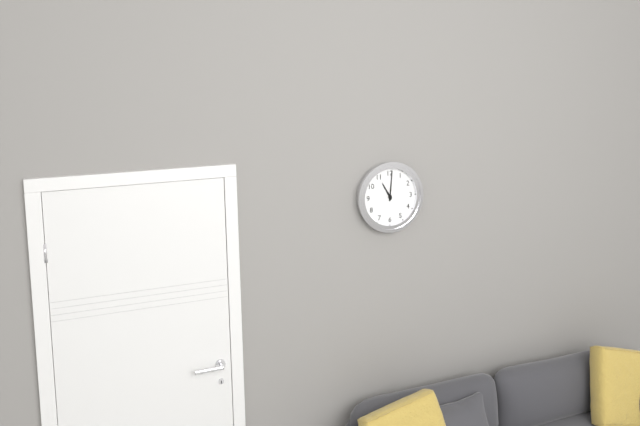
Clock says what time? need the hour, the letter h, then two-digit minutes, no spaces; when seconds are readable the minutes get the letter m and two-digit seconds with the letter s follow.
11h01
